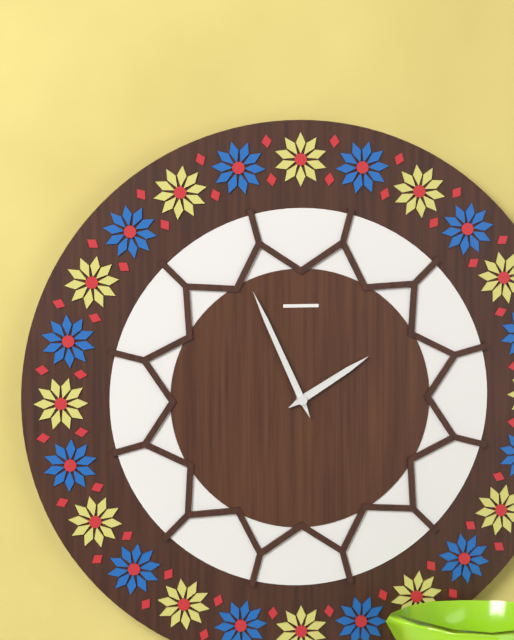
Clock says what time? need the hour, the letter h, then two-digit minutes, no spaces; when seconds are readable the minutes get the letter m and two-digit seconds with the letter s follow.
1h56
